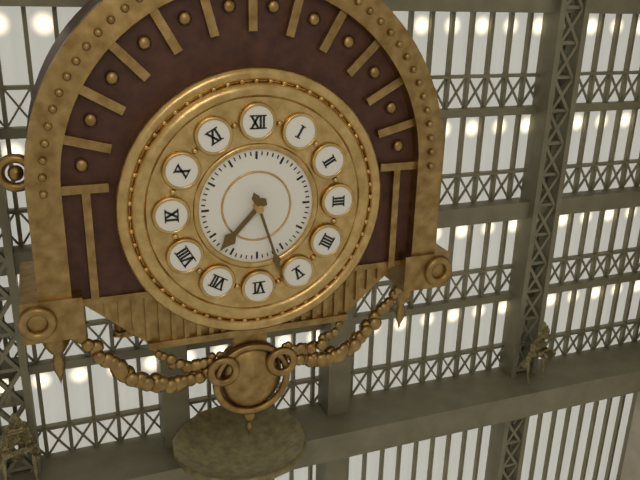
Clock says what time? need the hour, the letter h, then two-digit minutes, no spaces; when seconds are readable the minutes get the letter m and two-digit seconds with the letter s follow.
7h27
